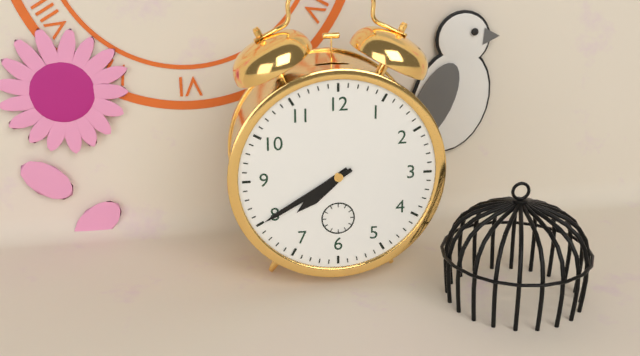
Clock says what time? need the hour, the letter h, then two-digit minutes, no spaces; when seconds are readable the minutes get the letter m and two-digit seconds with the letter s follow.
7h40
